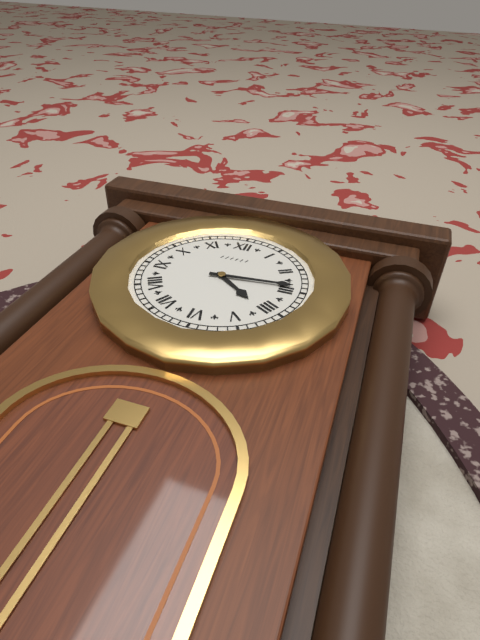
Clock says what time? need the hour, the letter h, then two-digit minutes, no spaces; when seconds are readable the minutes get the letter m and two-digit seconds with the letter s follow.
4h14
